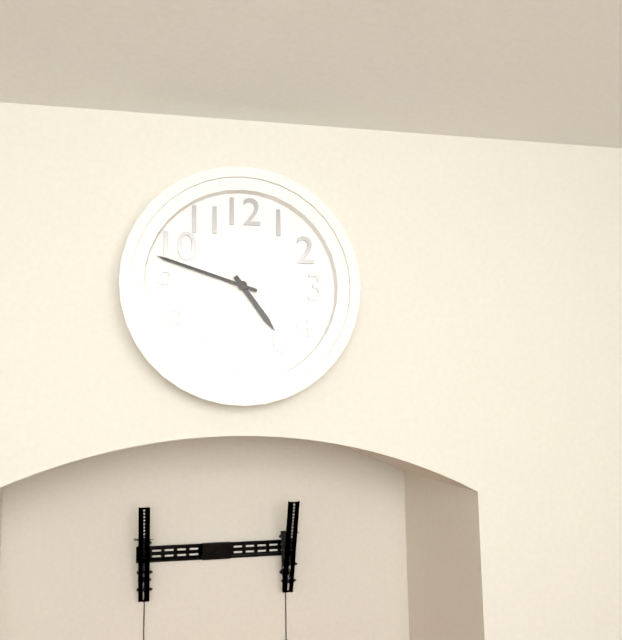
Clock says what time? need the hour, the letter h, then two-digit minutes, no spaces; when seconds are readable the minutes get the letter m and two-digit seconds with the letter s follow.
4h48
